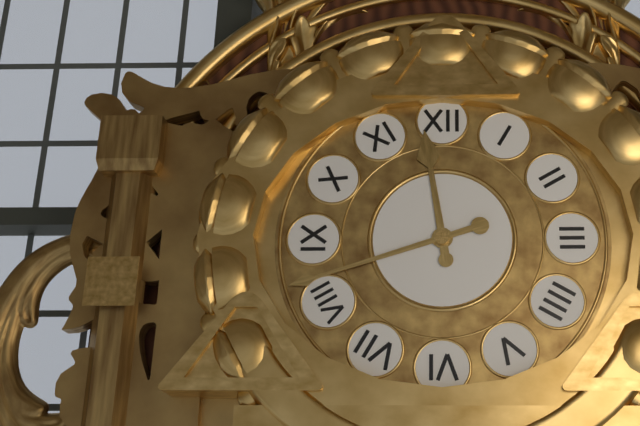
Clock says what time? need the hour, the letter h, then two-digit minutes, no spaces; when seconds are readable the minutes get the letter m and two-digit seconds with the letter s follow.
11h42
